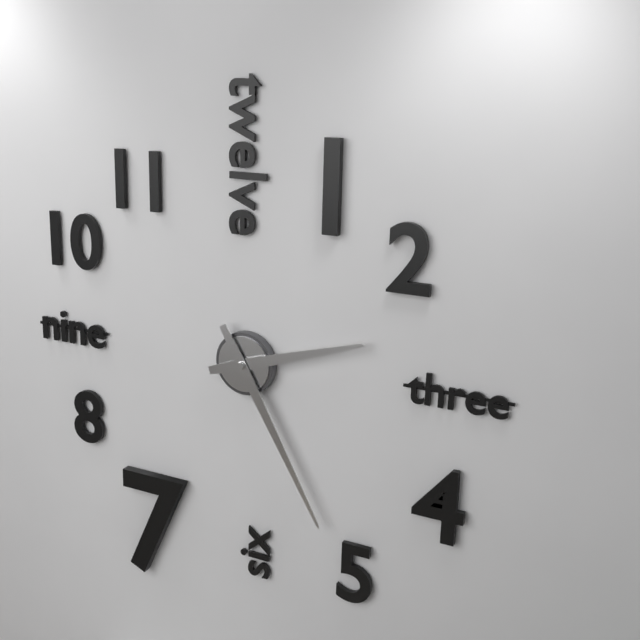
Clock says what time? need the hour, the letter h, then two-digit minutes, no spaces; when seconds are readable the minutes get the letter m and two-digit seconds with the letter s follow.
2h25
